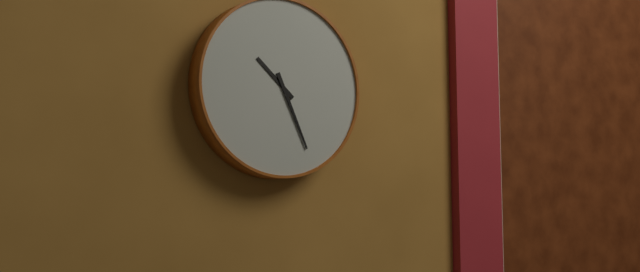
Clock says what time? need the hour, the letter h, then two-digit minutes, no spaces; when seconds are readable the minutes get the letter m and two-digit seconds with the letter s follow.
10h26
